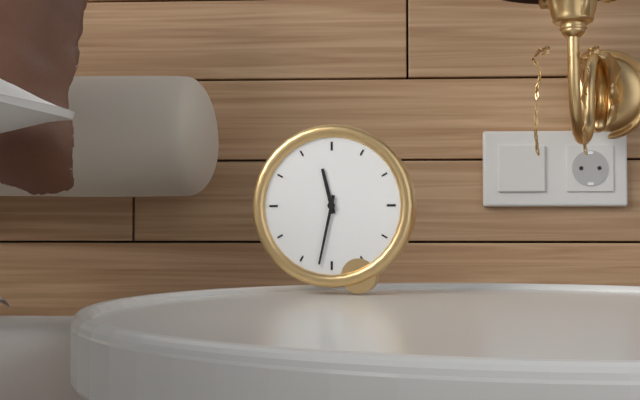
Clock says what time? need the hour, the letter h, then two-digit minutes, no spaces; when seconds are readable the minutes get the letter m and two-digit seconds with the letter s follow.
11h32
